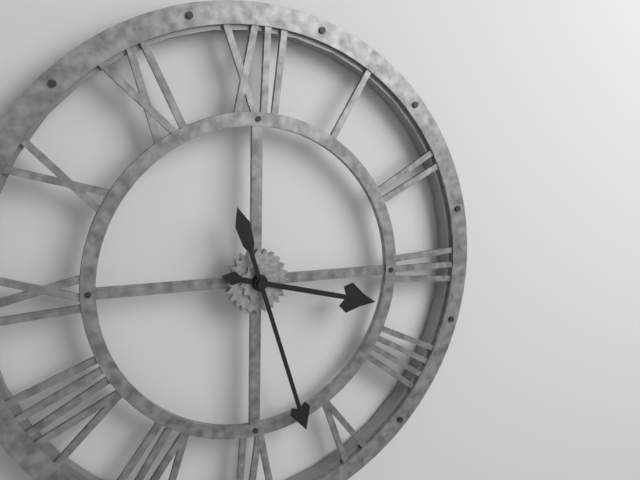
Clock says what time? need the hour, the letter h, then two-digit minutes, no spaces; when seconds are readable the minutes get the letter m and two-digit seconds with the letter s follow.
3h27
